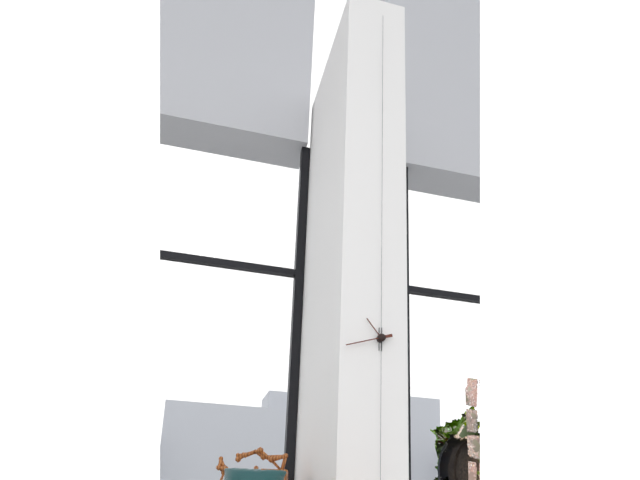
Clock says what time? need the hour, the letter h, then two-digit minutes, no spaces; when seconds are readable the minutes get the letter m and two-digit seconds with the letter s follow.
10h42
